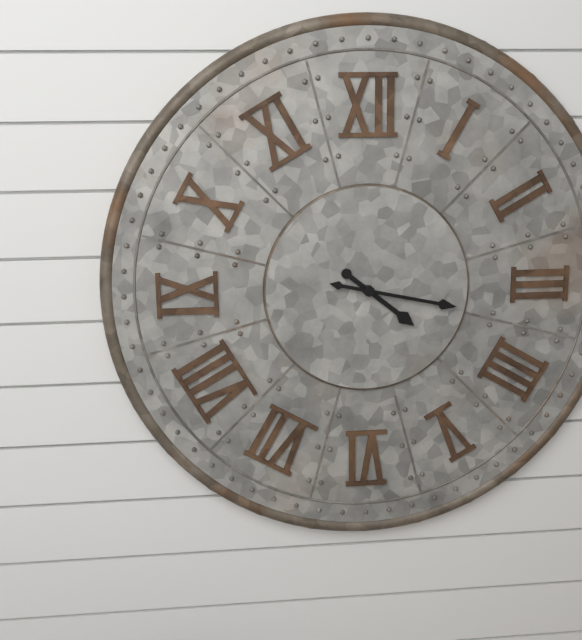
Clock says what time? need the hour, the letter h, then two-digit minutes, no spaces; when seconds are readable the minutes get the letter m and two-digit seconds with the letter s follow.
4h17
